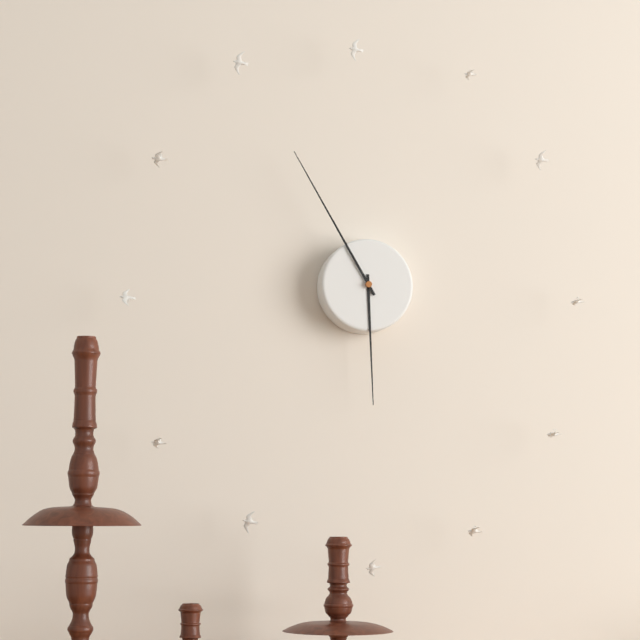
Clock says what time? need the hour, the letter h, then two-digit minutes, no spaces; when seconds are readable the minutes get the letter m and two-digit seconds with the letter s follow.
5h55
